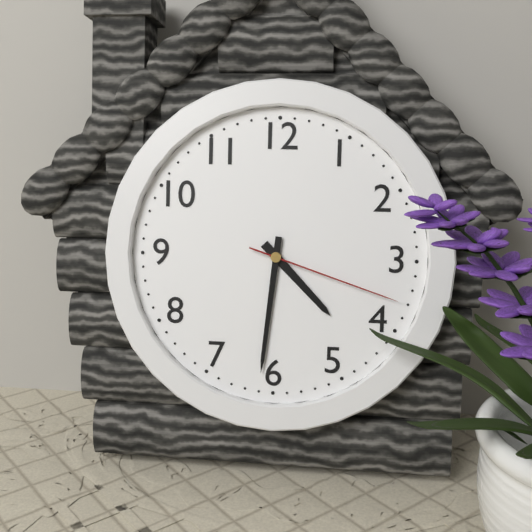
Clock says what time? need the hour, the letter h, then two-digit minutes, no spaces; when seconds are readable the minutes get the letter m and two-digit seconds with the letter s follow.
4h31m18s
